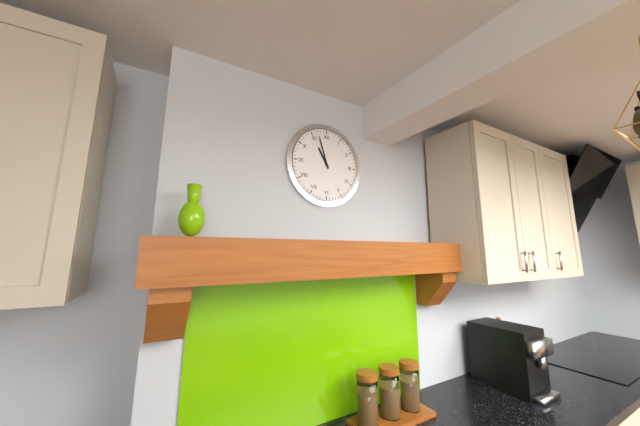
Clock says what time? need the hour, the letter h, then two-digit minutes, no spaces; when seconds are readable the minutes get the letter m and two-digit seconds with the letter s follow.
10h57
